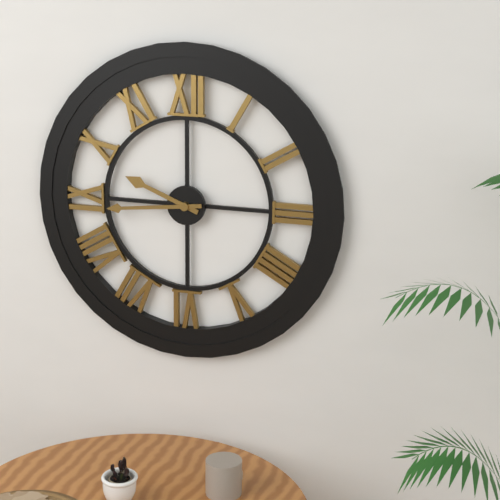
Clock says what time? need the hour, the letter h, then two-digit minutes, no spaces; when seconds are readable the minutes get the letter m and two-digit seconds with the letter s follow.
9h44
